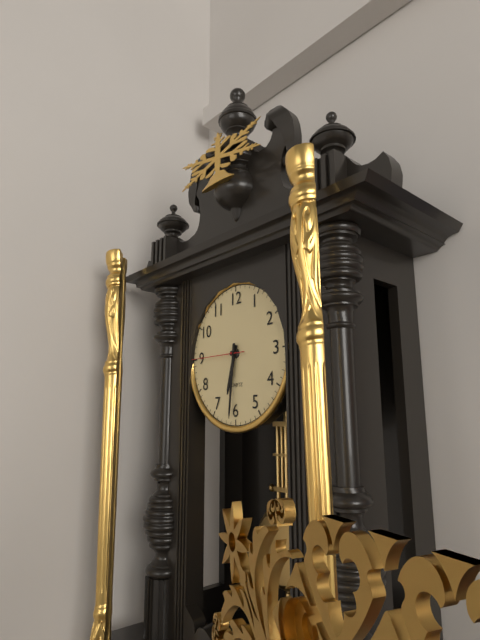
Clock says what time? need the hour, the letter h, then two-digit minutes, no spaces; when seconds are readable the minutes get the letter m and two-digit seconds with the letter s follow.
6h31m45s
